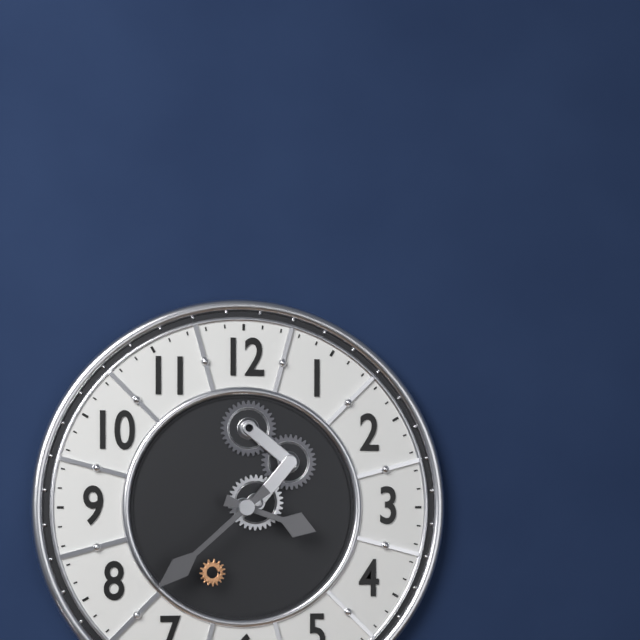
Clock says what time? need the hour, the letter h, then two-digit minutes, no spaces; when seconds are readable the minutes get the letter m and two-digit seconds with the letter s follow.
3h38
